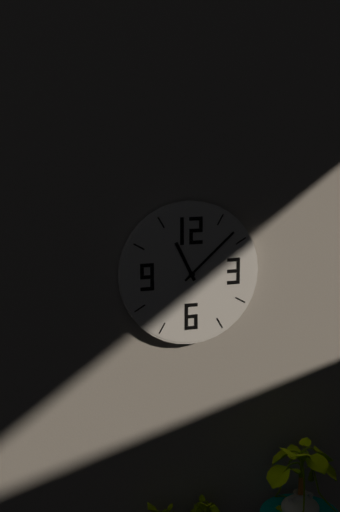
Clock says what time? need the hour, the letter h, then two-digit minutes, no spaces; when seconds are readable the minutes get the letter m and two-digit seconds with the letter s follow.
11h08
